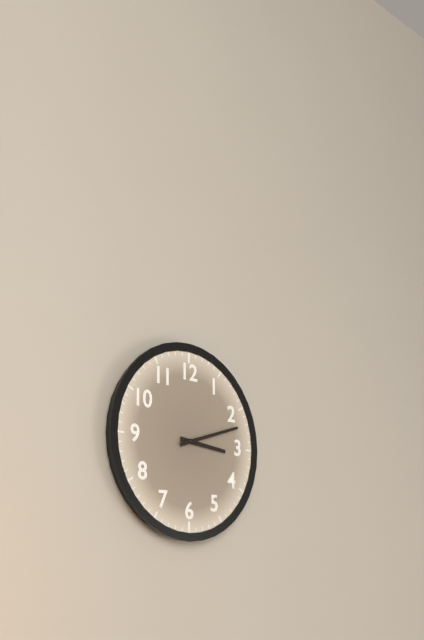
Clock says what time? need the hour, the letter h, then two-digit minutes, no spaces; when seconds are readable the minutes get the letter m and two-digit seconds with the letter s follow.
3h12
